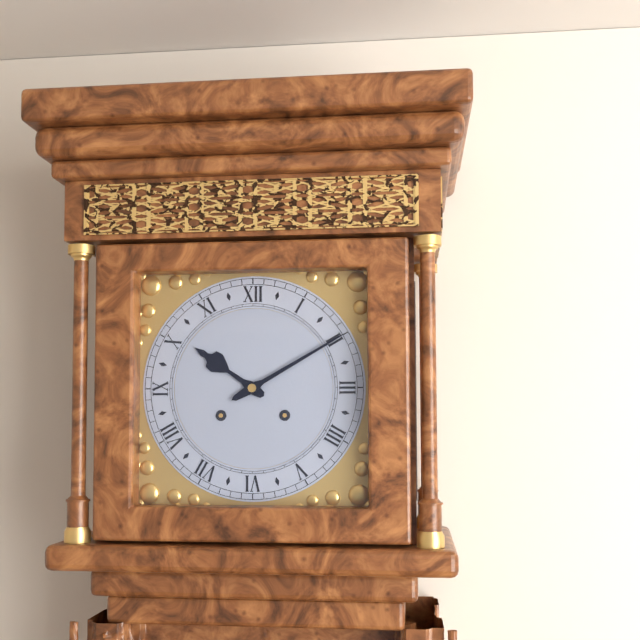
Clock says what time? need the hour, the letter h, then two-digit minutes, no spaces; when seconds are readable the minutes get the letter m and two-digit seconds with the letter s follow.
10h10
